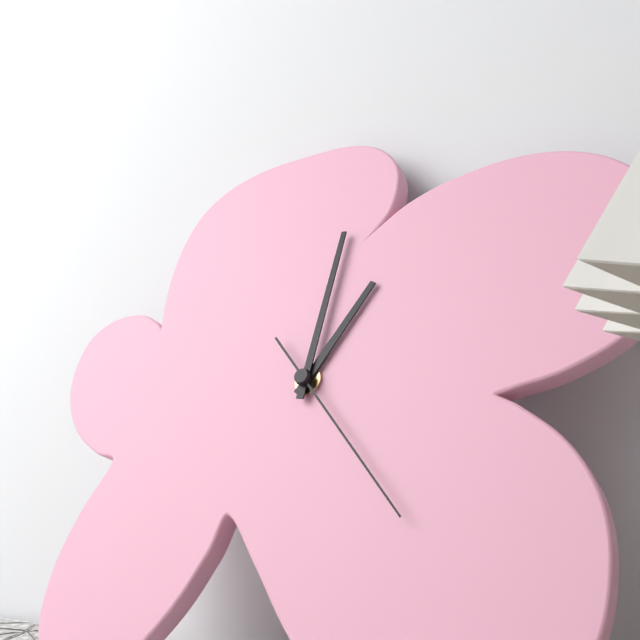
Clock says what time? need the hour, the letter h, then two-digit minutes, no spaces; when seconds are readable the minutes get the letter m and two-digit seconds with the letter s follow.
1h01m23s
